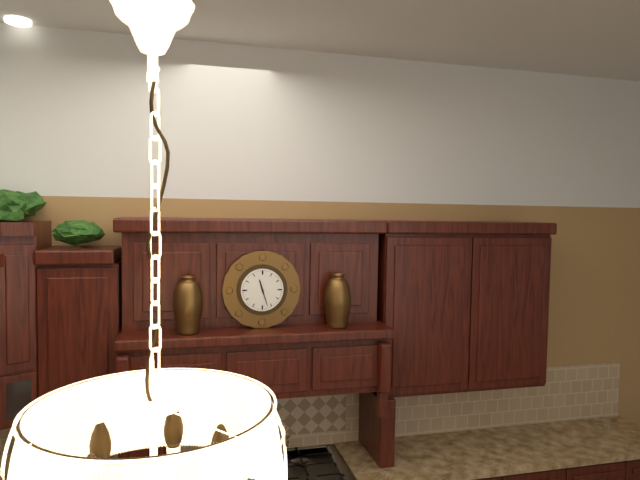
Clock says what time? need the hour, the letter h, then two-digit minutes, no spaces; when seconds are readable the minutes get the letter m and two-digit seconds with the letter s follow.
11h27
